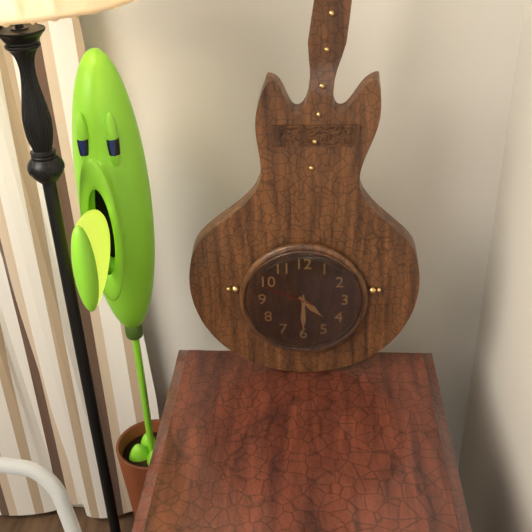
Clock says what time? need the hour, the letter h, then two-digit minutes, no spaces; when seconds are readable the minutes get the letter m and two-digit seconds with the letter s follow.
4h30
